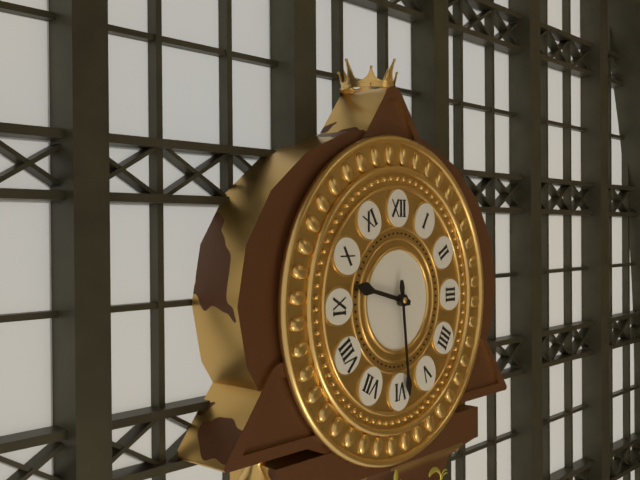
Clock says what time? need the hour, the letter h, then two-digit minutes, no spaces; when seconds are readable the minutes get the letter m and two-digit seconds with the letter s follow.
9h29
